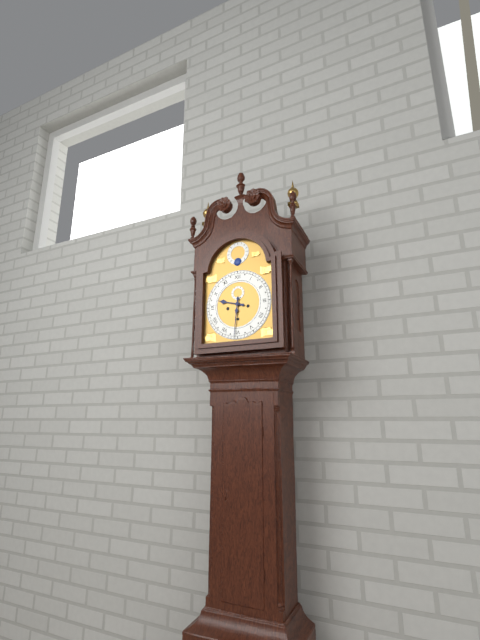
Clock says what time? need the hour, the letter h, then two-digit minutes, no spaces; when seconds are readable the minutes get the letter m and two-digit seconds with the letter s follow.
9h31
